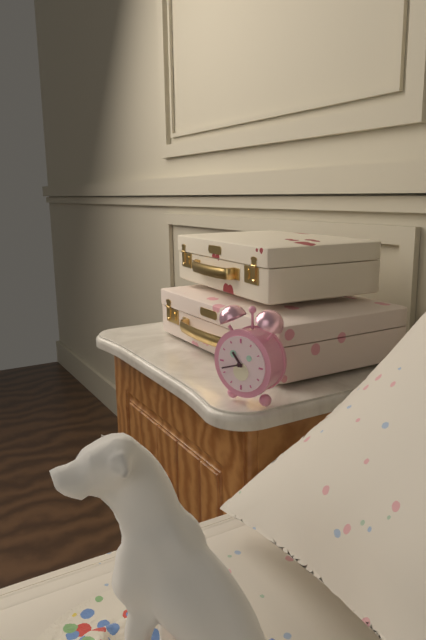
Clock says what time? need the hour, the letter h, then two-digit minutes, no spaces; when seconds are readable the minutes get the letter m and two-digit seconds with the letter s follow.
10h42
